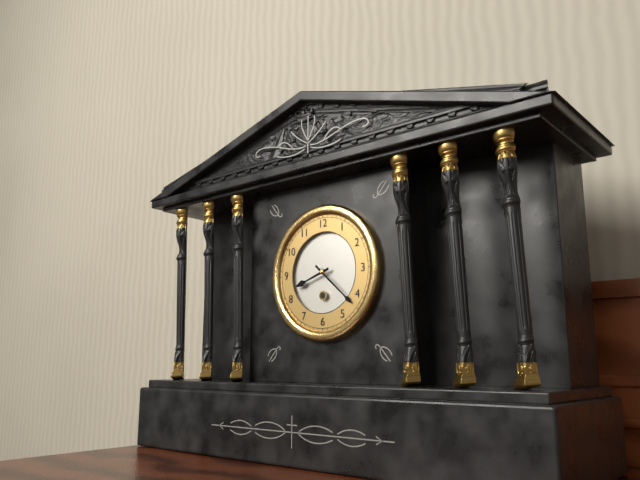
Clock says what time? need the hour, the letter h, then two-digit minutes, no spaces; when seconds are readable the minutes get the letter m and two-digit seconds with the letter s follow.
8h22
